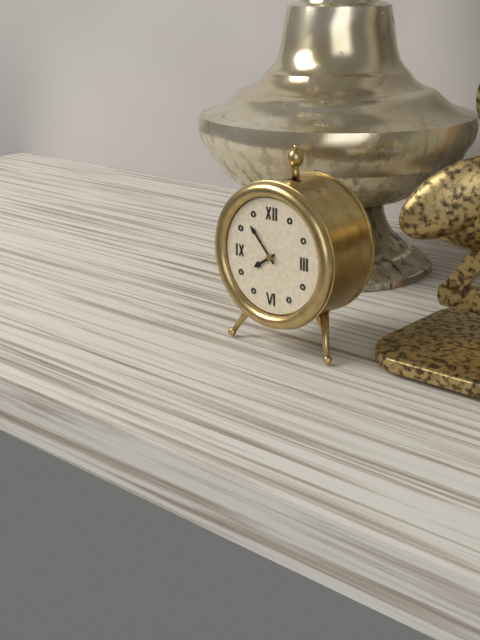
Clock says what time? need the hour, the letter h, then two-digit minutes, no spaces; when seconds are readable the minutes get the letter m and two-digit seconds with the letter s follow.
7h53
